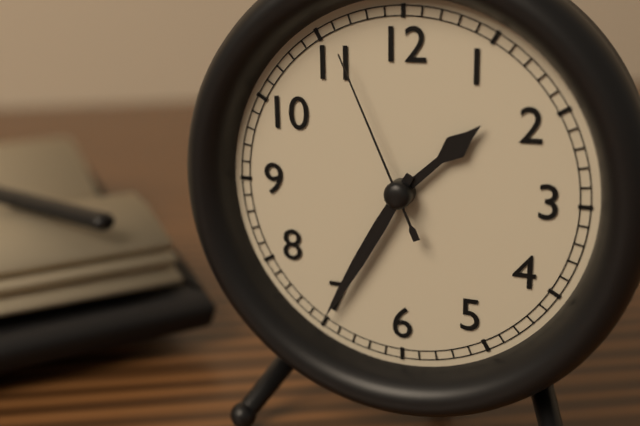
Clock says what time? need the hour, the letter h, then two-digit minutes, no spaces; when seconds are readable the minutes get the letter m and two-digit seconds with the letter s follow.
1h35m56s
